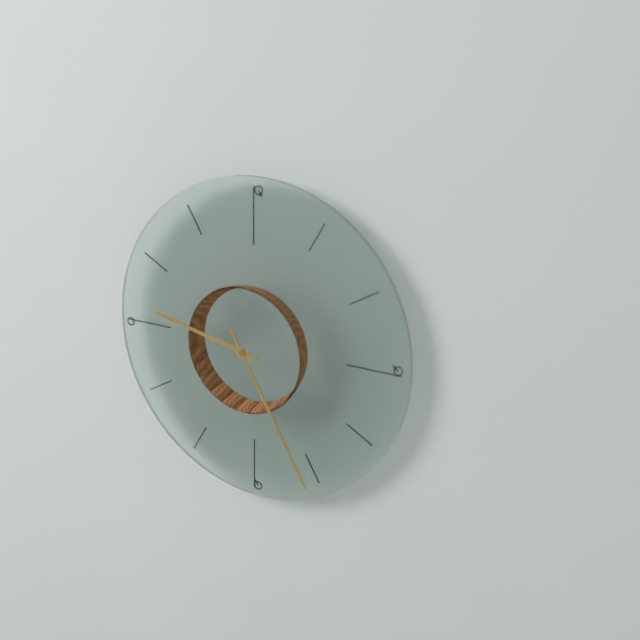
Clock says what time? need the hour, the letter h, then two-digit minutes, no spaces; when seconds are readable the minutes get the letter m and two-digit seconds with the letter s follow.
9h25
